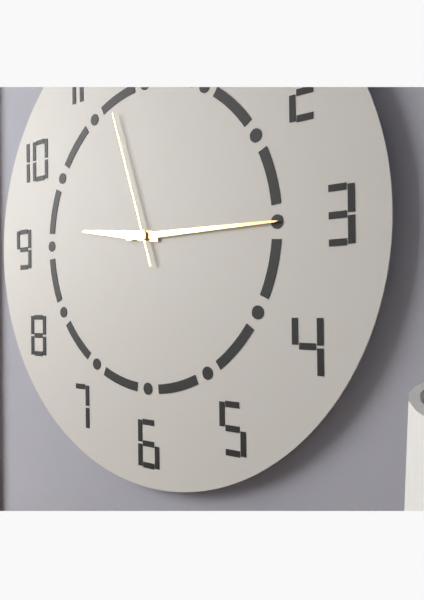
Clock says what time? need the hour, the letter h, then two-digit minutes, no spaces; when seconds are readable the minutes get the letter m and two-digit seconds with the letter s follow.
9h15m57s
